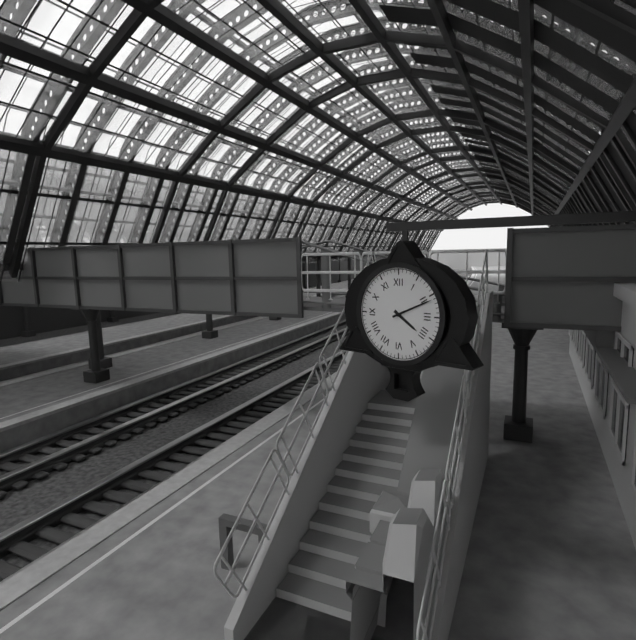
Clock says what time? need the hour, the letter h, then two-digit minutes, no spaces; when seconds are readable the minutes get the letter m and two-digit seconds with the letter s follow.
4h11
